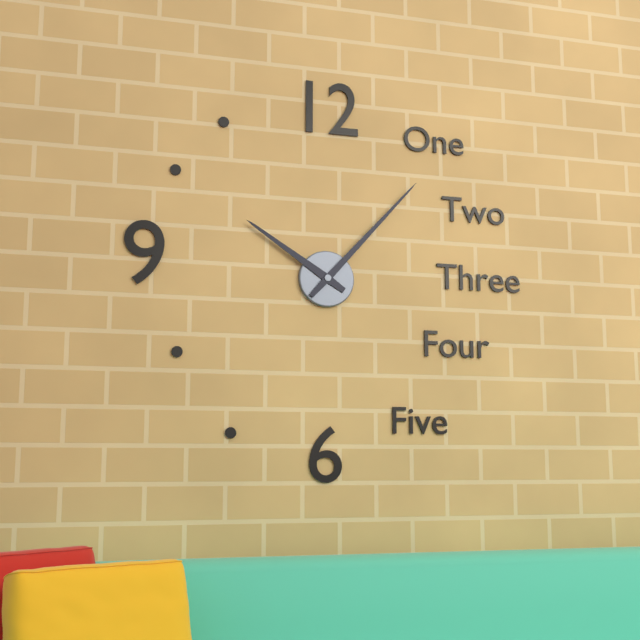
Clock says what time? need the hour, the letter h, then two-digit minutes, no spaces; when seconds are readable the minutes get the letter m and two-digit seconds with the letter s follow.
10h07
